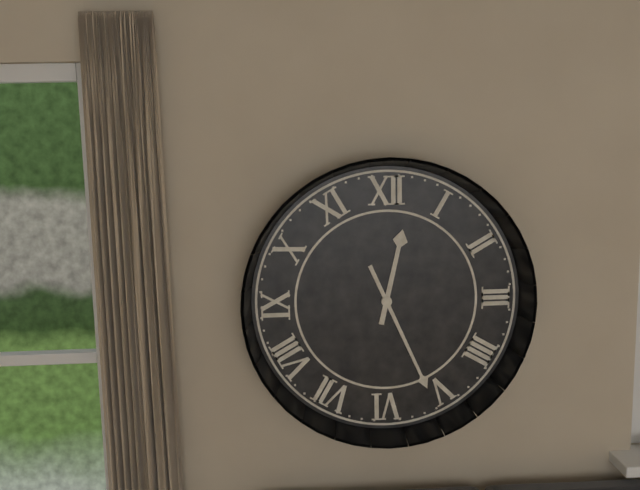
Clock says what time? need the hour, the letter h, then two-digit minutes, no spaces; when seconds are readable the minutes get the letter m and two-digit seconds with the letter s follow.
12h26
